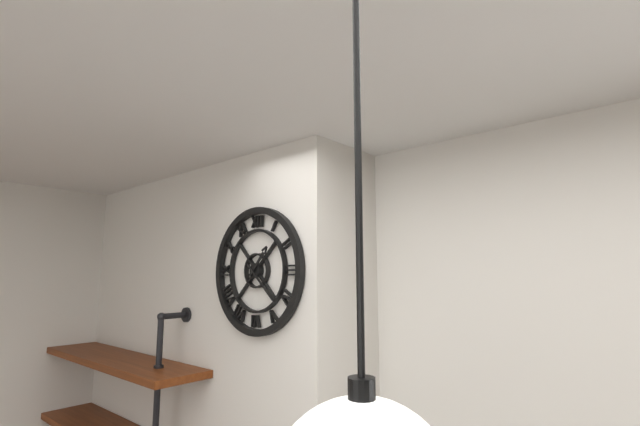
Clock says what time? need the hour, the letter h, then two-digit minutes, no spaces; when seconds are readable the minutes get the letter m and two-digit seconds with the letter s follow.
1h22
